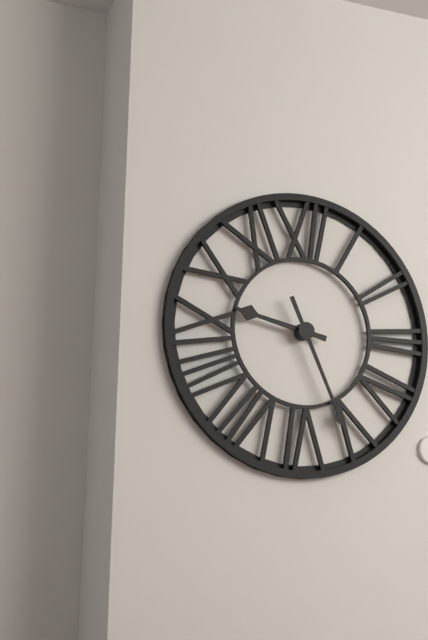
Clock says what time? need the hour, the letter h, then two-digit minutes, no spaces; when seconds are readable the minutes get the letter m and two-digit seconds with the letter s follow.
9h26
